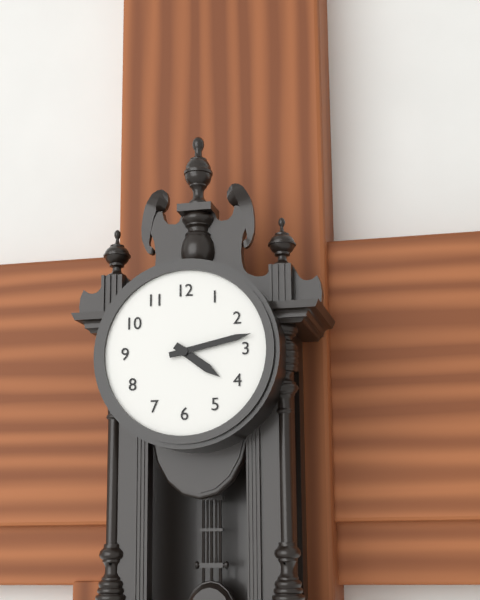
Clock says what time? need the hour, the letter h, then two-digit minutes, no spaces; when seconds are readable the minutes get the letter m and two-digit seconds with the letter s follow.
4h13
